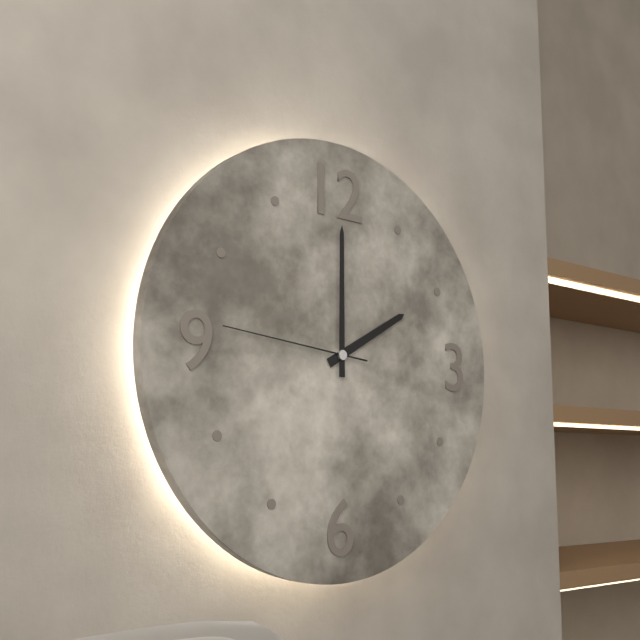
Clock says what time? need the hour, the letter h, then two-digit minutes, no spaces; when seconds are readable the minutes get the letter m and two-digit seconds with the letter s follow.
2h00m46s
